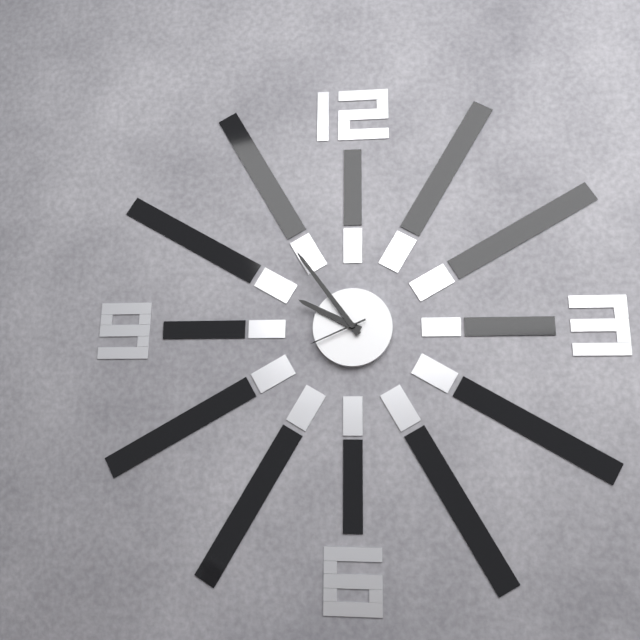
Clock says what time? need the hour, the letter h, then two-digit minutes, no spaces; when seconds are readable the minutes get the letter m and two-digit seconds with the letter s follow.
9h54m41s
